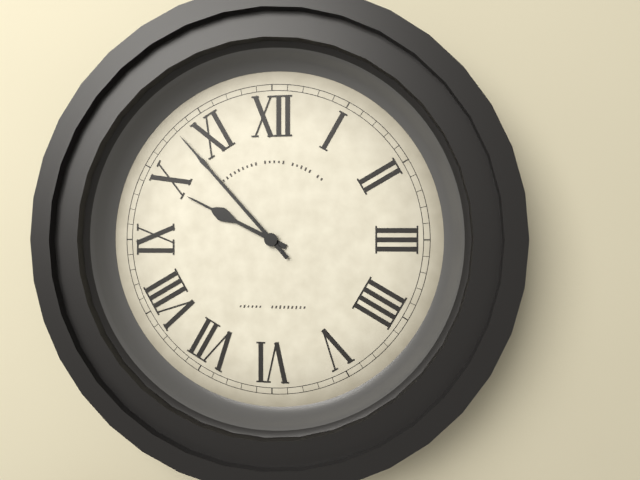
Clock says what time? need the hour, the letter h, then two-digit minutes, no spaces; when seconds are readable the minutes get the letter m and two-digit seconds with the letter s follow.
9h53
